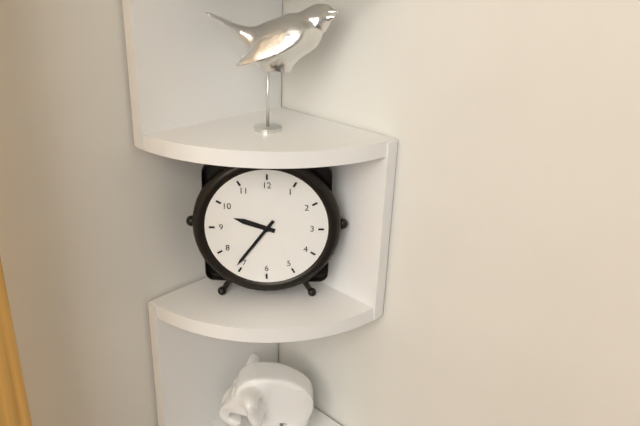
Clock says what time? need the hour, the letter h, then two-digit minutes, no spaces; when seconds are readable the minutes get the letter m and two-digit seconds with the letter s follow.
9h36
